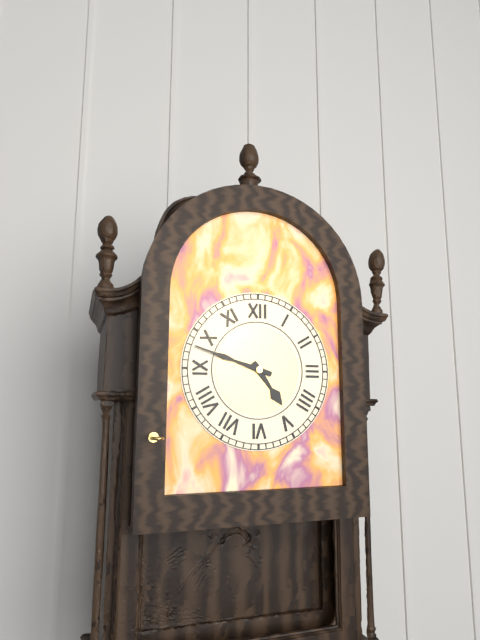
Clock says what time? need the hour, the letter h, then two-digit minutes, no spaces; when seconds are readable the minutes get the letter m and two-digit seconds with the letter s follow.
4h48
